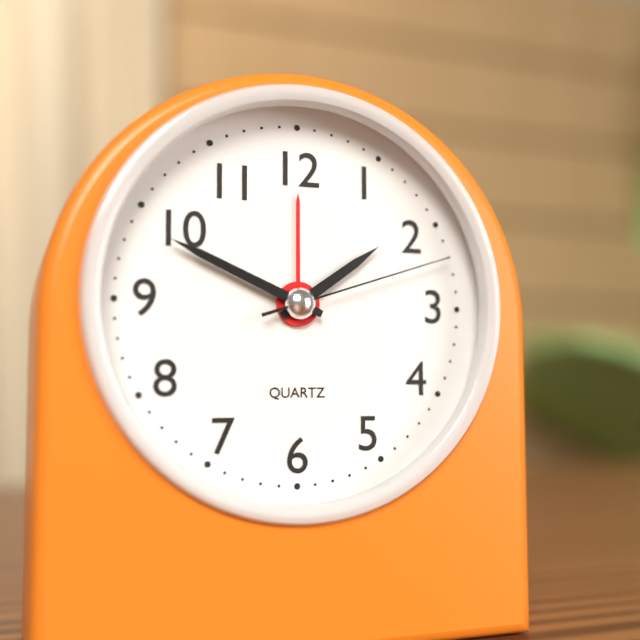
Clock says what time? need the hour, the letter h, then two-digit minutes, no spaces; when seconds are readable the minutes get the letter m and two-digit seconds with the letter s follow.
1h49m12s
